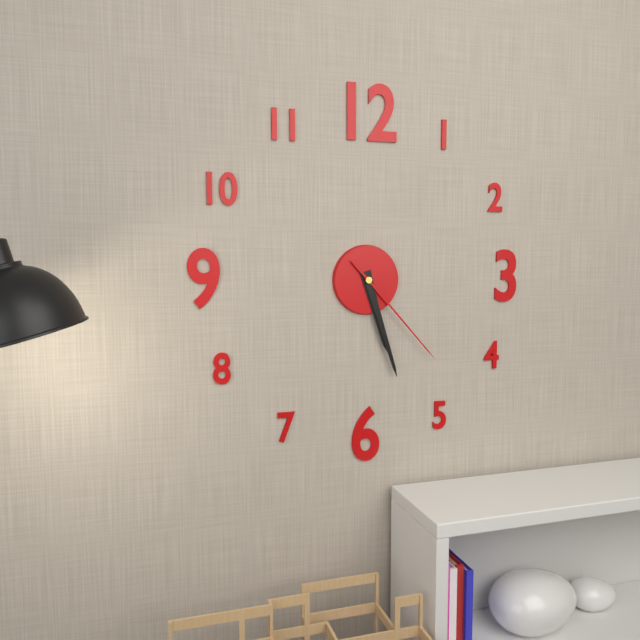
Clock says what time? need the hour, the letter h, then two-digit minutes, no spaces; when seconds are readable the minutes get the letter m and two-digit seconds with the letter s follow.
5h27m23s
